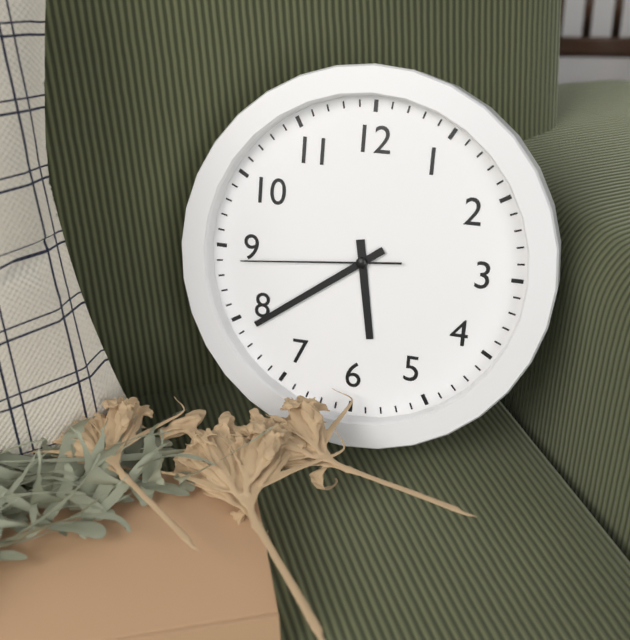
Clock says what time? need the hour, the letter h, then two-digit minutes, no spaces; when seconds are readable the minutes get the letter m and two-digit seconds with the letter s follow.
5h39m44s
